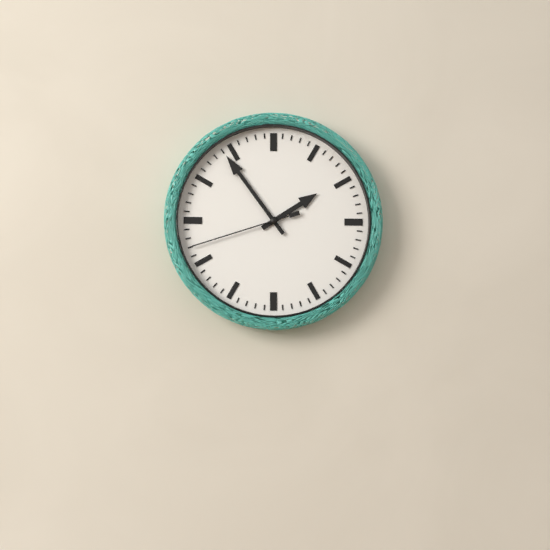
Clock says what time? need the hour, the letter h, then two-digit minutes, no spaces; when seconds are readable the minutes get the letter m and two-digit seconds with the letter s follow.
1h54m42s
